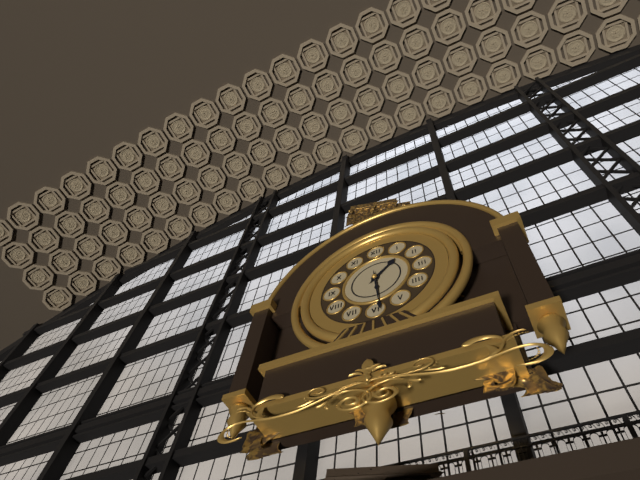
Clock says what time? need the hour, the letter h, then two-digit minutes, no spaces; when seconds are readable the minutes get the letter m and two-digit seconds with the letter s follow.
1h29
